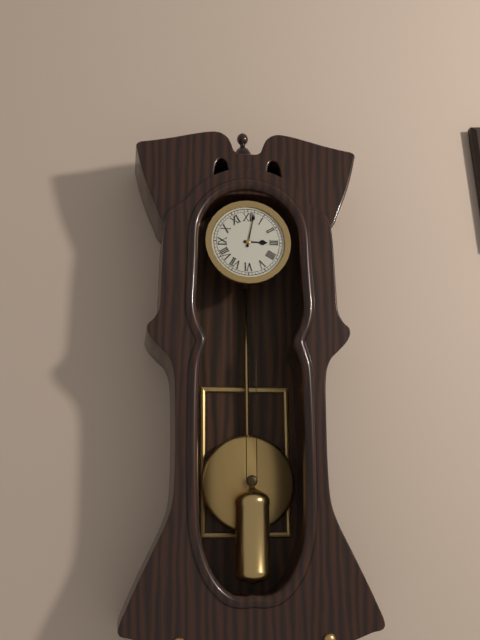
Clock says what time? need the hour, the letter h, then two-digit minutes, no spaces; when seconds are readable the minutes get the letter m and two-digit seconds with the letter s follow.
3h02
